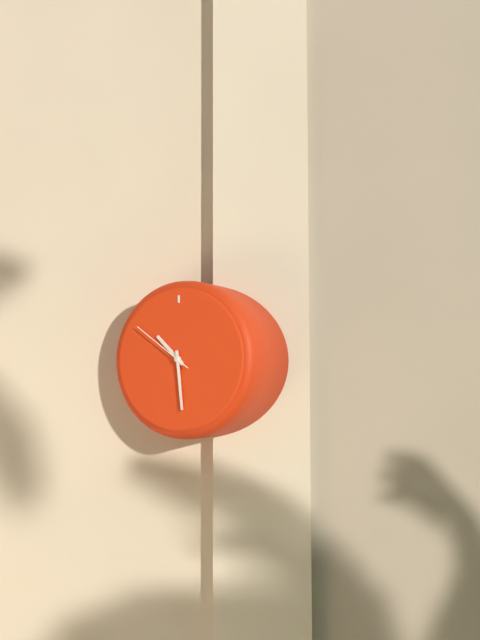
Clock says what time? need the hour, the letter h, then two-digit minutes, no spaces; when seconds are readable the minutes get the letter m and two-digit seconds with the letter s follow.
10h29m51s
